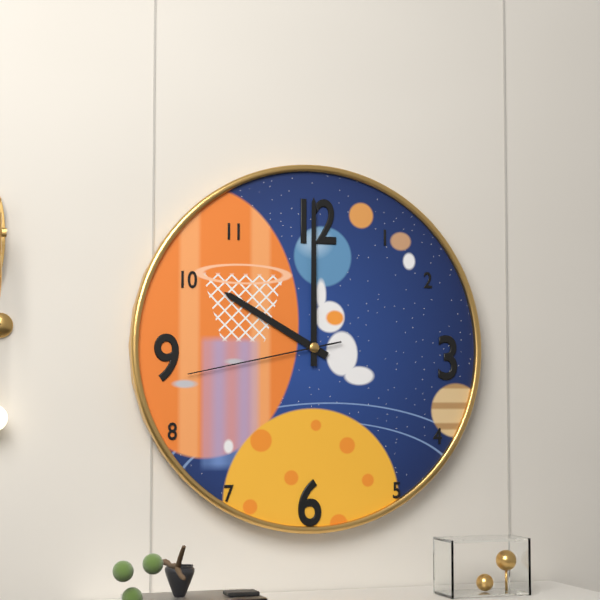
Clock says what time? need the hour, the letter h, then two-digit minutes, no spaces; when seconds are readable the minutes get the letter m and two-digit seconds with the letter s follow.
10h00m43s
